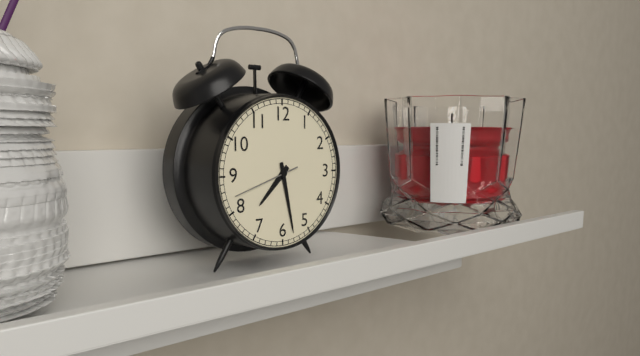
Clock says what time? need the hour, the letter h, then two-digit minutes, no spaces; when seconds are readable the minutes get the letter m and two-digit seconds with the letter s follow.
7h28m42s
